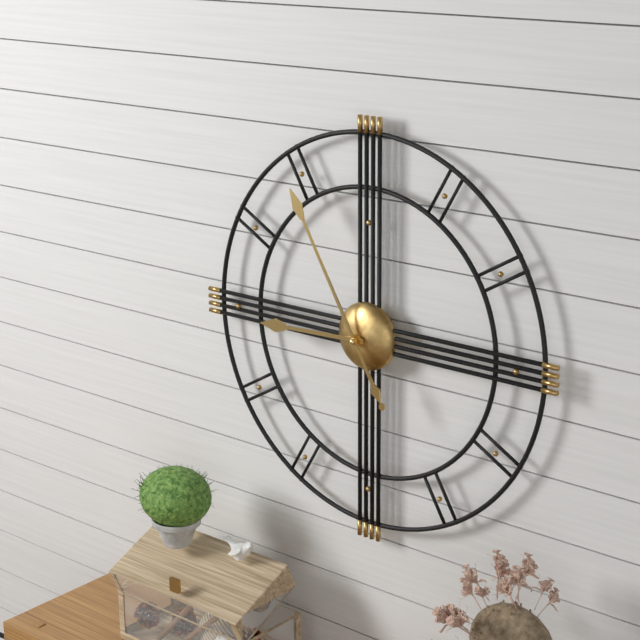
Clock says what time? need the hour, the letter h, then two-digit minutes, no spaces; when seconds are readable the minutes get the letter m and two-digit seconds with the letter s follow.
8h55
